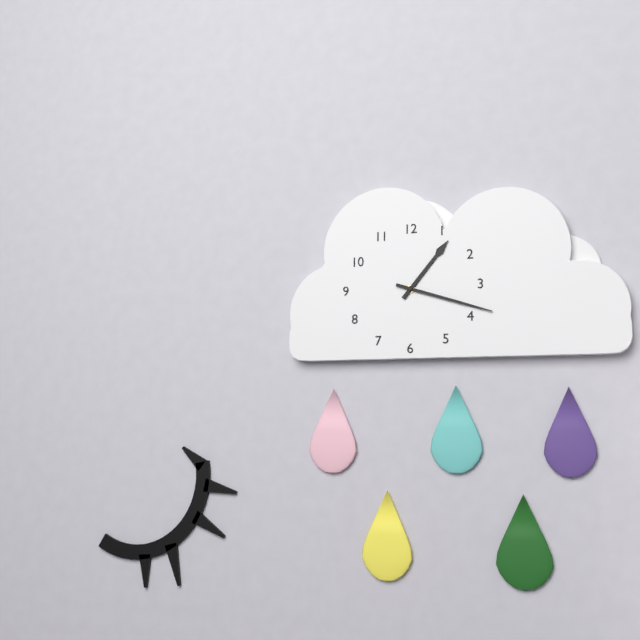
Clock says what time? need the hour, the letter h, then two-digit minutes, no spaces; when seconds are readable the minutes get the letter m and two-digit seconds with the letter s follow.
1h18
